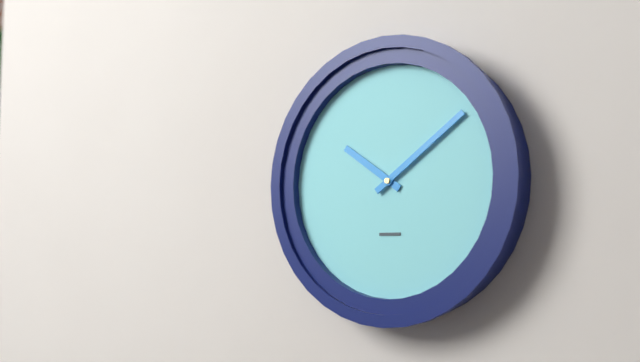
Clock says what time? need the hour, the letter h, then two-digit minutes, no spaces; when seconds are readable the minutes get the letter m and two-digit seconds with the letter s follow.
10h09
